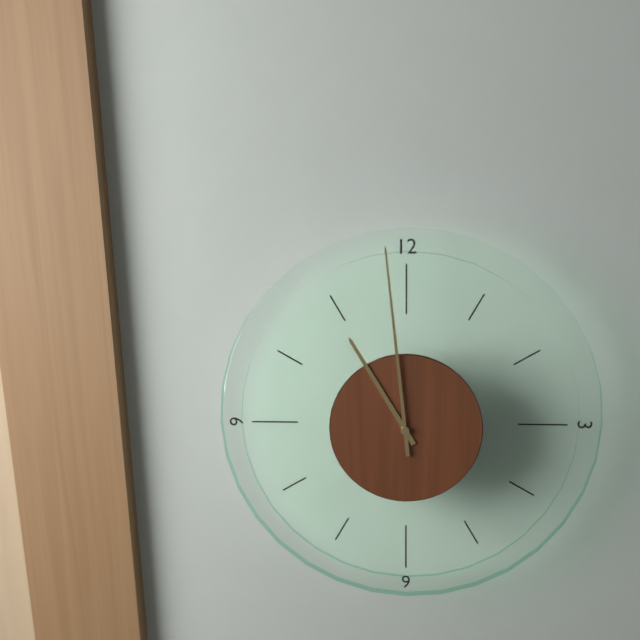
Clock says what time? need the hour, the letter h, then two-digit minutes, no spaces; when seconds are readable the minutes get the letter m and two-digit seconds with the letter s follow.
10h59
